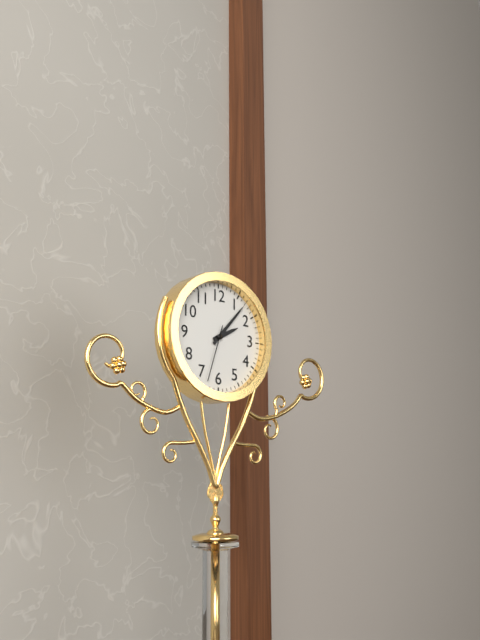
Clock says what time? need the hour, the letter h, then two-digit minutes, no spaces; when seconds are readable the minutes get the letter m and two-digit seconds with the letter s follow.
2h07m33s
